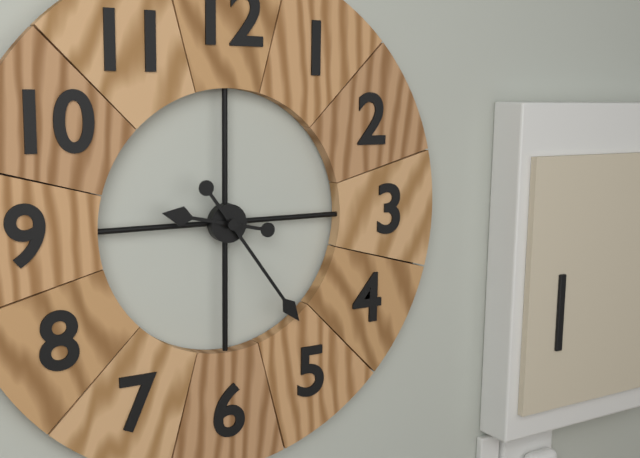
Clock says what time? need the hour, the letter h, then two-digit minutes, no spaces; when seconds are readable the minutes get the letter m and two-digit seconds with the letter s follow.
9h24
